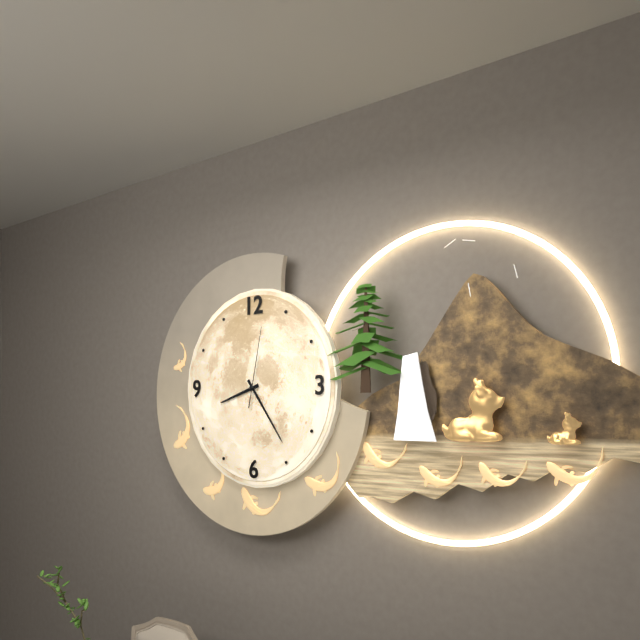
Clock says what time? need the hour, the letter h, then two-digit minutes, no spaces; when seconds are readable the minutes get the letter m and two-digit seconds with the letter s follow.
8h24m02s
